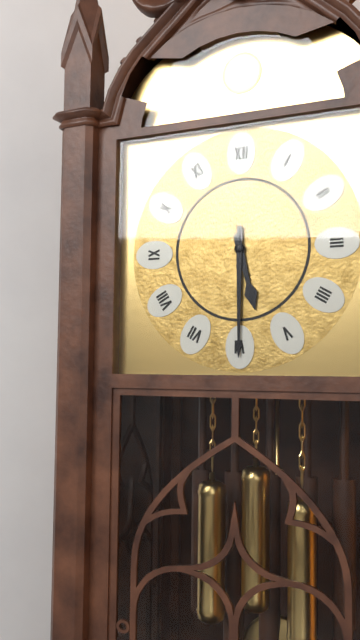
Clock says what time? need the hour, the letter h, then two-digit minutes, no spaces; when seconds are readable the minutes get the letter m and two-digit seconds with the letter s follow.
5h30
